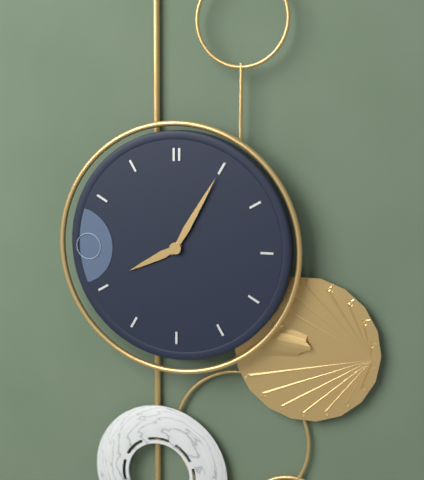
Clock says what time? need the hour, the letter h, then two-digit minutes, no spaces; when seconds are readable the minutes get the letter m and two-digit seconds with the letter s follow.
8h05
